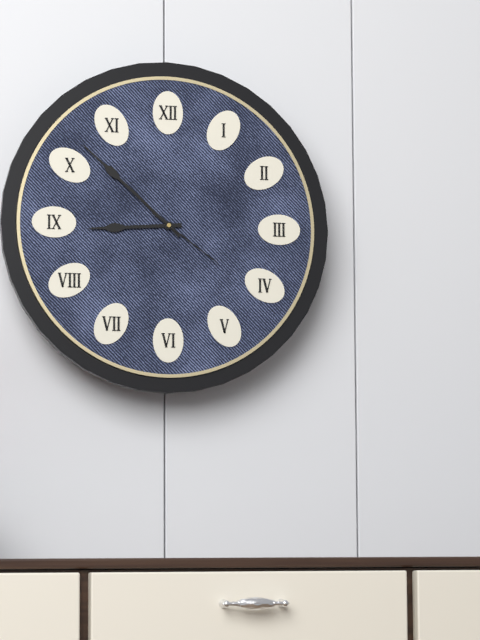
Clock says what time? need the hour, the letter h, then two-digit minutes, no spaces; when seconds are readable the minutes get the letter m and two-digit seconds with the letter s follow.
8h52m21s
